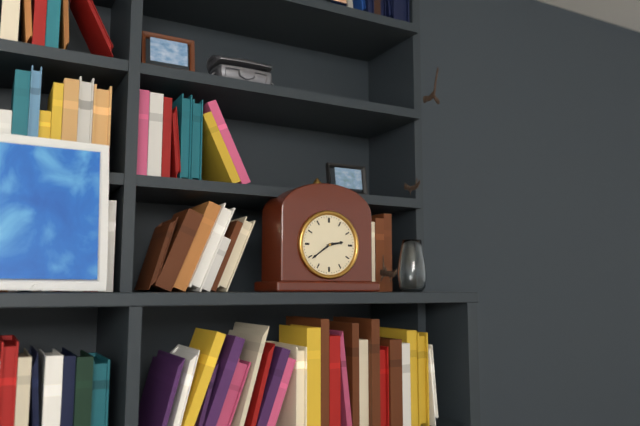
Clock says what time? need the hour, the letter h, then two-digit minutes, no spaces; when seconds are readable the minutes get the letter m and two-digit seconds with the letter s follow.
2h39
